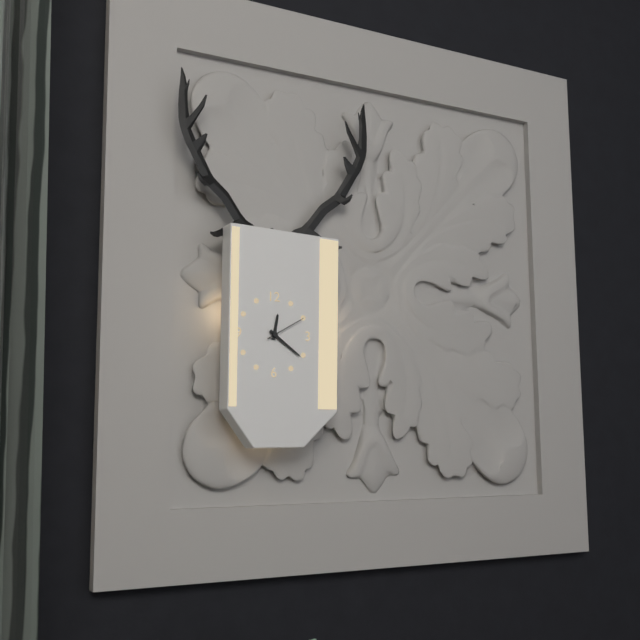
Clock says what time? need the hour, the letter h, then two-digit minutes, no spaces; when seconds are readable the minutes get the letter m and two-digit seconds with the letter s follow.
12h21
